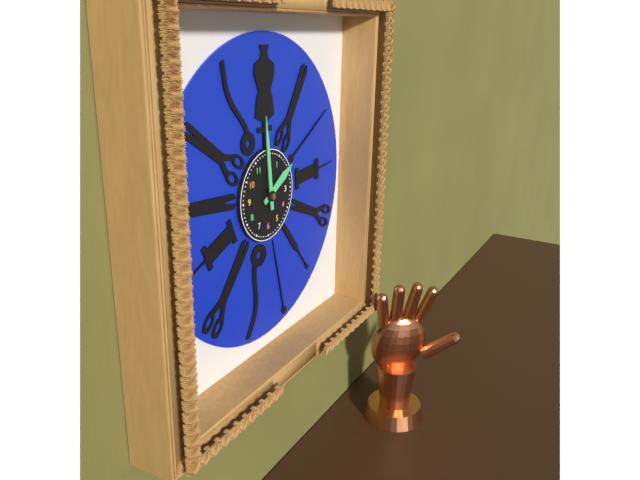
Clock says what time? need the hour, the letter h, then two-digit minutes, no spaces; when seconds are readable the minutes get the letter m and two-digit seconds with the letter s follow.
1h59
